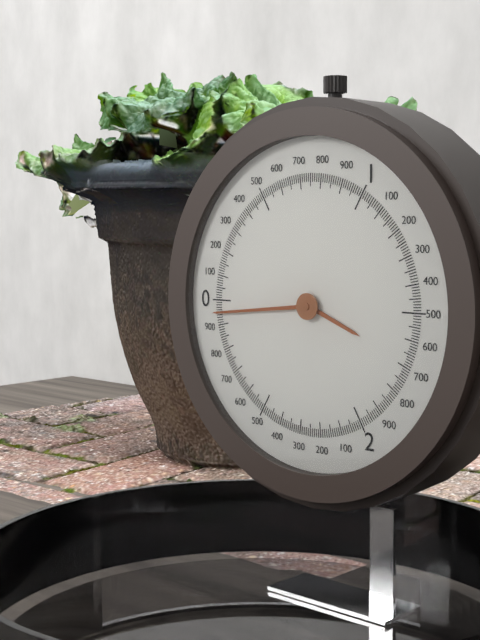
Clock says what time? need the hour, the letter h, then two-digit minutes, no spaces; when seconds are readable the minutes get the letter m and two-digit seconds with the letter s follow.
3h44
